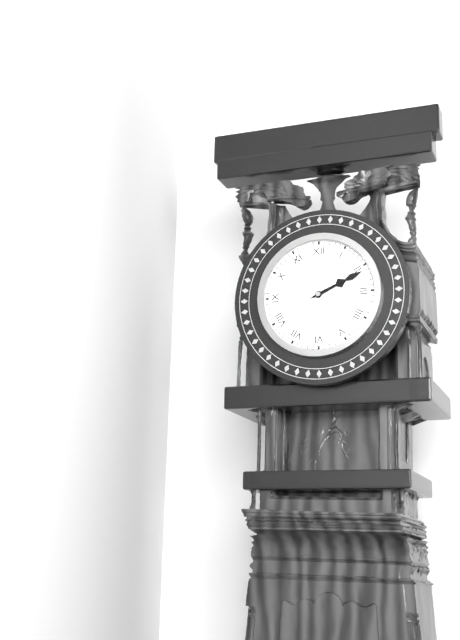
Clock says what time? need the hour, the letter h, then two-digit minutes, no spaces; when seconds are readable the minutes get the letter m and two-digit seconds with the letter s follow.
2h11
